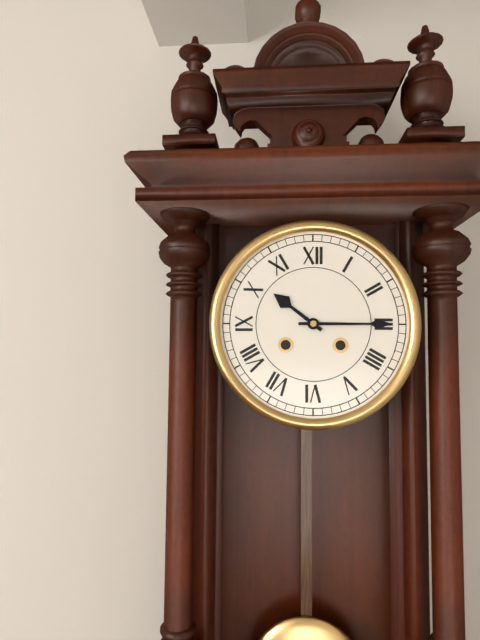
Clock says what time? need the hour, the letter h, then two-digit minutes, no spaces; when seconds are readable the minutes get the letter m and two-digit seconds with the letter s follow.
10h15
